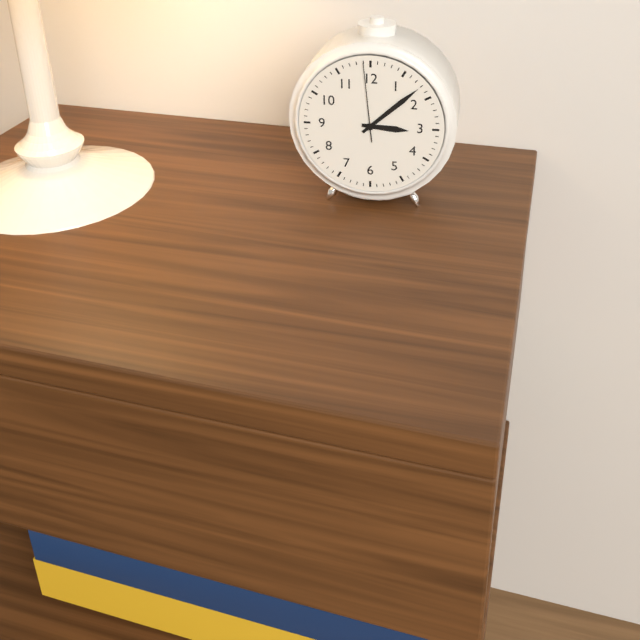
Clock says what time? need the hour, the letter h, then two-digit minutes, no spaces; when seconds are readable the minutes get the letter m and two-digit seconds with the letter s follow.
3h08m59s
